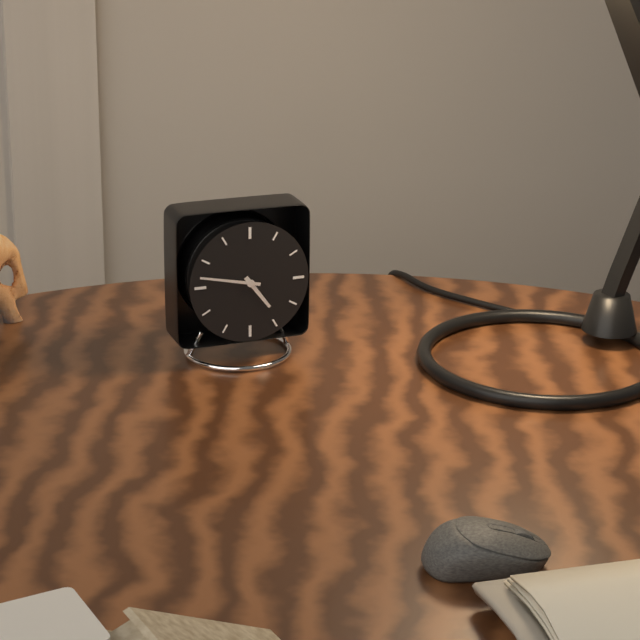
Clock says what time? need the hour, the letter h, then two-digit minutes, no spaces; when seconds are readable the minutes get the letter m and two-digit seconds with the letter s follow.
4h47
